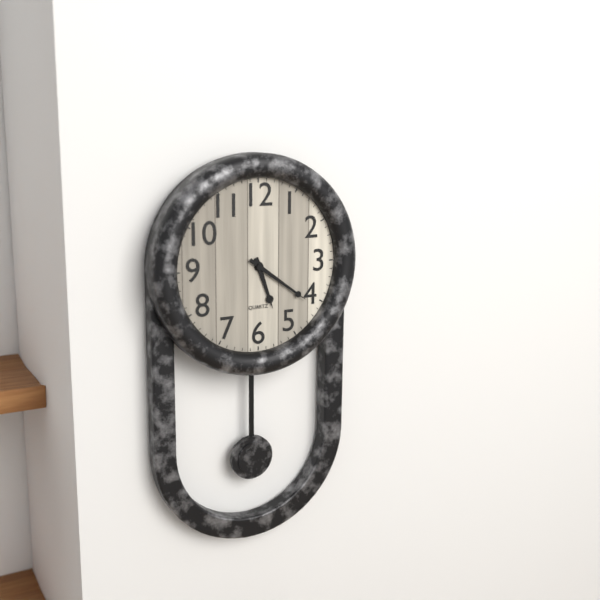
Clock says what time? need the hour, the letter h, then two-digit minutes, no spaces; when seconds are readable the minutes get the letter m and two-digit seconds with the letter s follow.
5h21
